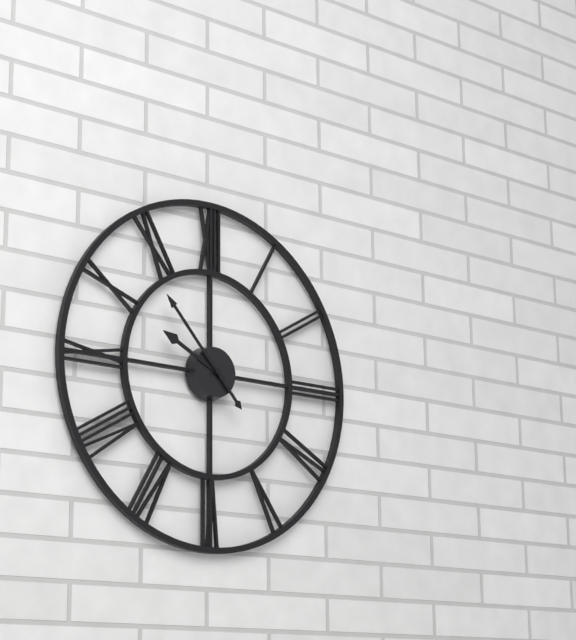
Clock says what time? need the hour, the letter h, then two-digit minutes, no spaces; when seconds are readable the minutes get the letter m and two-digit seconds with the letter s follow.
9h53
